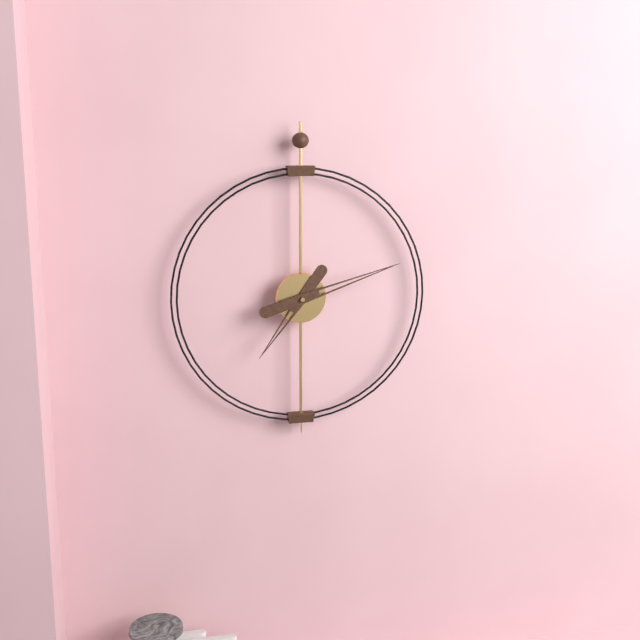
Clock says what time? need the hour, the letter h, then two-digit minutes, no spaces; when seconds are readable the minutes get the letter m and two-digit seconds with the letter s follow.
7h12
